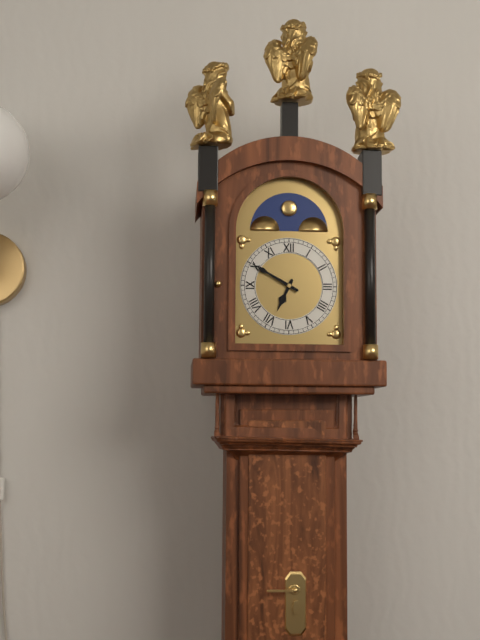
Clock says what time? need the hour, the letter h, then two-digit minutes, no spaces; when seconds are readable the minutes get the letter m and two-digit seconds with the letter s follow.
6h50
